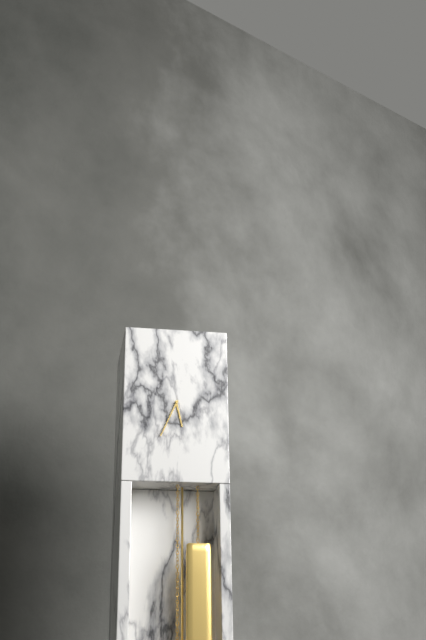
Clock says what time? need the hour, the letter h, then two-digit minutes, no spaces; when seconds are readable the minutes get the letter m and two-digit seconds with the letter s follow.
5h34
